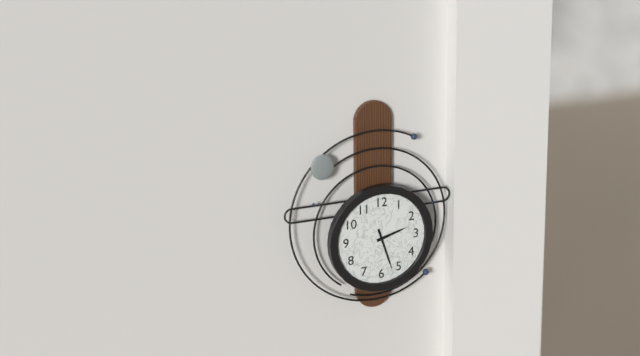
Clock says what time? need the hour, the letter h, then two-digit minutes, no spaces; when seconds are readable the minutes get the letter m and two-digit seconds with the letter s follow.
2h27
